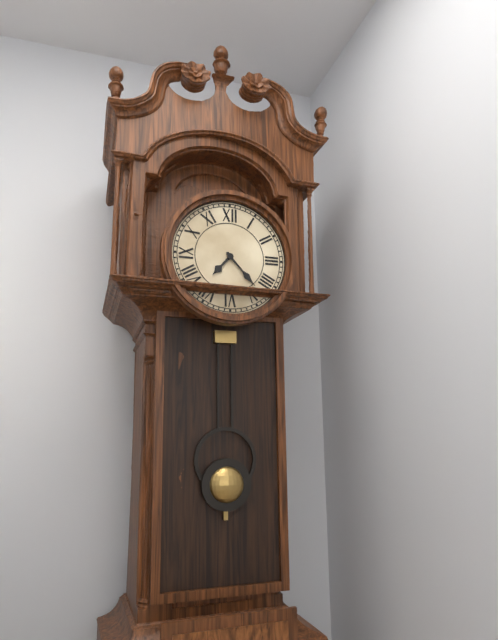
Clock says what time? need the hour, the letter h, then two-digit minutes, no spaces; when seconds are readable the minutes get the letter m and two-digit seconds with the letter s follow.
7h23
